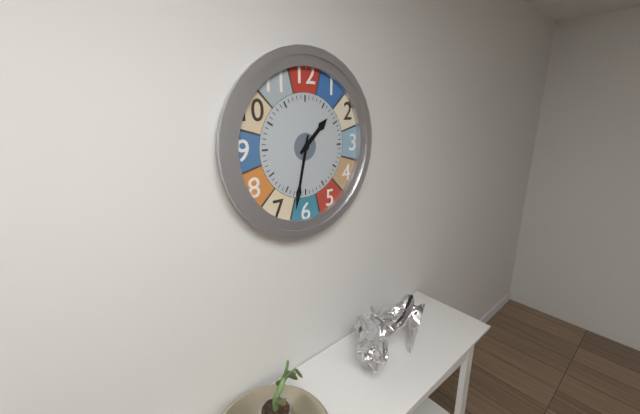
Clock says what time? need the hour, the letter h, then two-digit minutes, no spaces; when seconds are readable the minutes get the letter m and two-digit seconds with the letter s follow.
1h32
